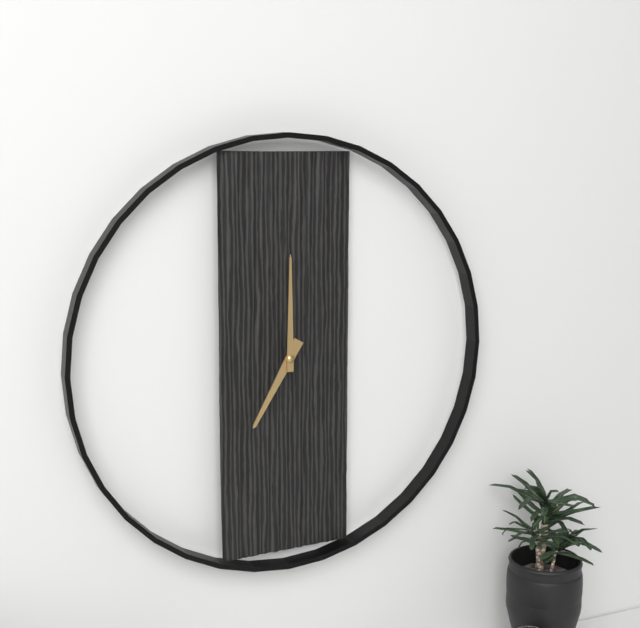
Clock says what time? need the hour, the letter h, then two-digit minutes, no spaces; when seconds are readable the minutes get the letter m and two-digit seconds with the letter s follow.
7h00
